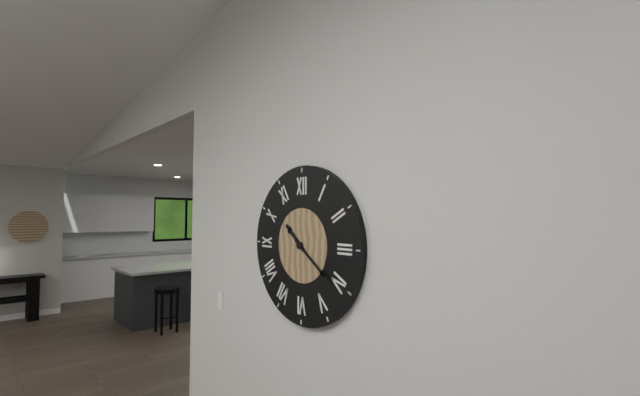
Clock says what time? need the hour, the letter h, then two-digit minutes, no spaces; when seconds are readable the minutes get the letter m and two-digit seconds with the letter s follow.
10h21
